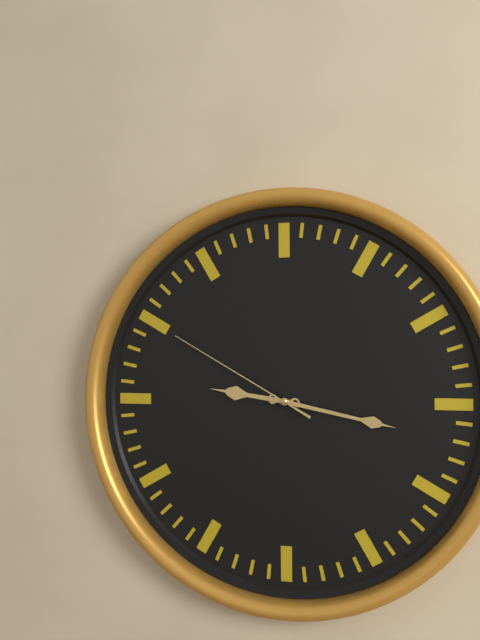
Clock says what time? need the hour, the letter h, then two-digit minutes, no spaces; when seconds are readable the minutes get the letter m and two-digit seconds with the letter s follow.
9h17m50s
